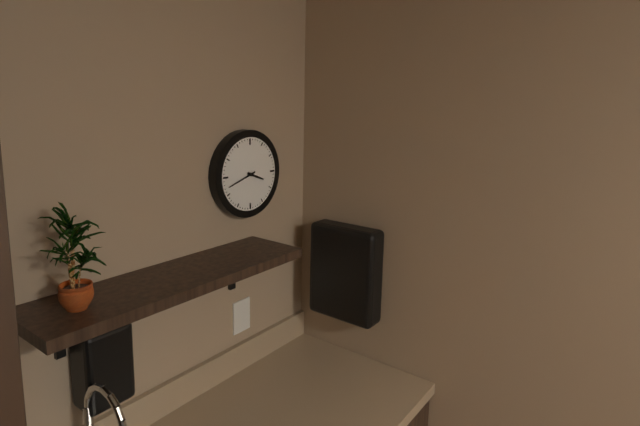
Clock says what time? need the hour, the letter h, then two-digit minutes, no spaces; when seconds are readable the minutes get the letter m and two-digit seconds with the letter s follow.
3h42
